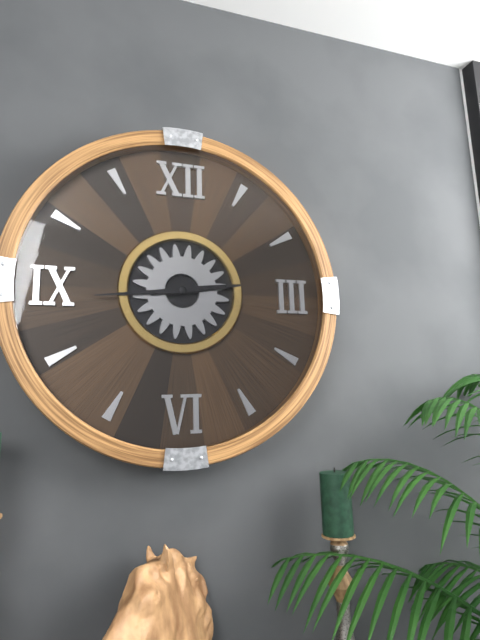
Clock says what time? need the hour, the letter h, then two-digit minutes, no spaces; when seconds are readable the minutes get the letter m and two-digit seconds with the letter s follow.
2h44
